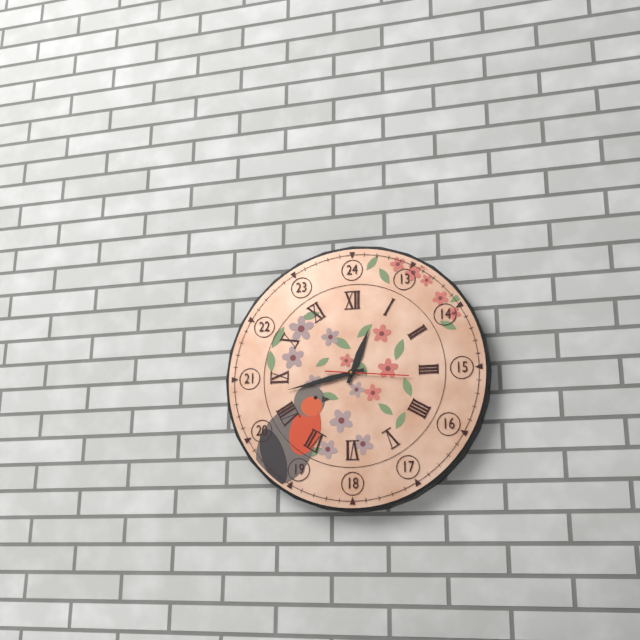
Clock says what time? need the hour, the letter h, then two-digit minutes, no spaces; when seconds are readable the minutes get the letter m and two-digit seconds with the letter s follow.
12h43m16s
